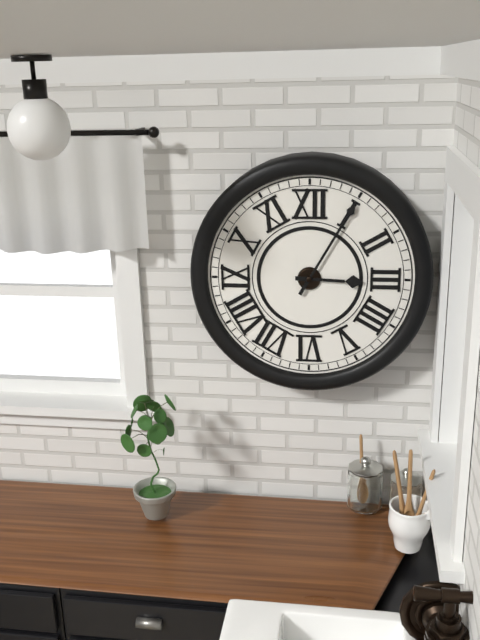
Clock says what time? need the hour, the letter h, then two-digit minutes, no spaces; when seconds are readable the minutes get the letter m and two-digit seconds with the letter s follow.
3h05
